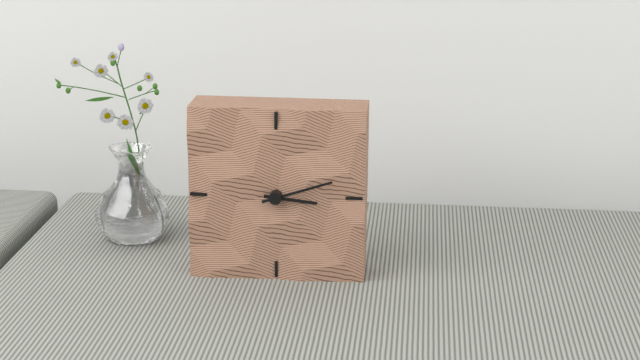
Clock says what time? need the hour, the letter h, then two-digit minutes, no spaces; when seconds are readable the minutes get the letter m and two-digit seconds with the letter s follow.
3h12
